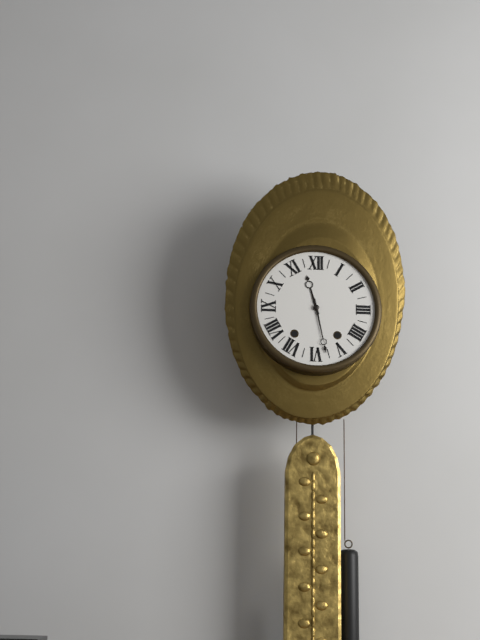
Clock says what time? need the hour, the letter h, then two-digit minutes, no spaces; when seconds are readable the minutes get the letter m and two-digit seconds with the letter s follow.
11h28
